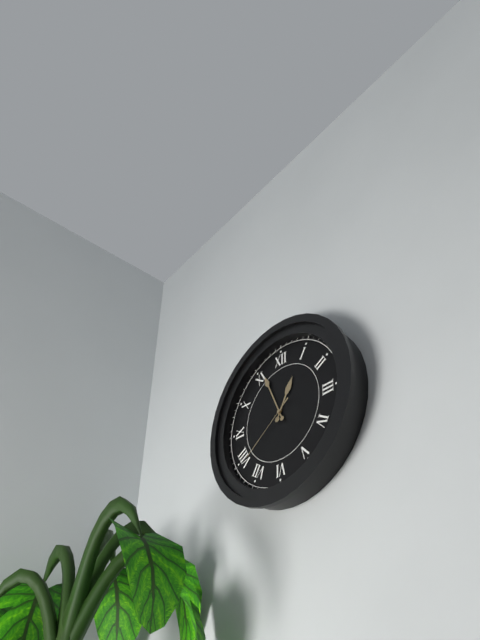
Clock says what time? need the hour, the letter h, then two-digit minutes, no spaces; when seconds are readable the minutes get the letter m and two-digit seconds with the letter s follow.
12h56m39s
